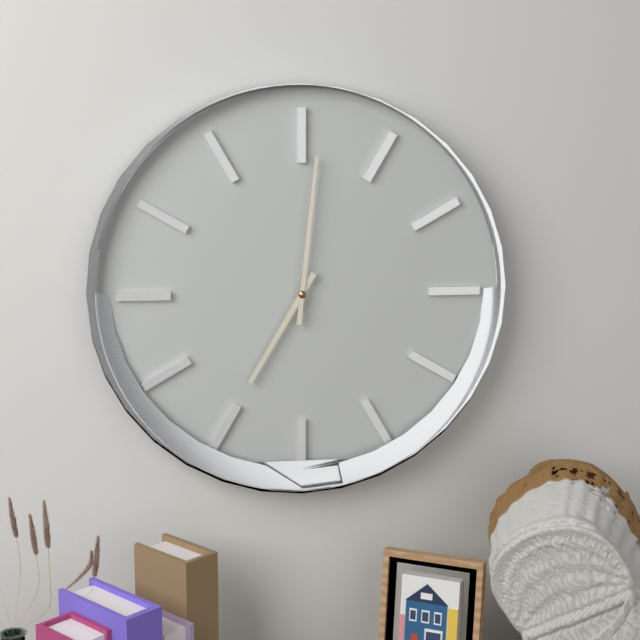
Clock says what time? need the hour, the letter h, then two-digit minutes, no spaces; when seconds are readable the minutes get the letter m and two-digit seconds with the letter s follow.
7h01
